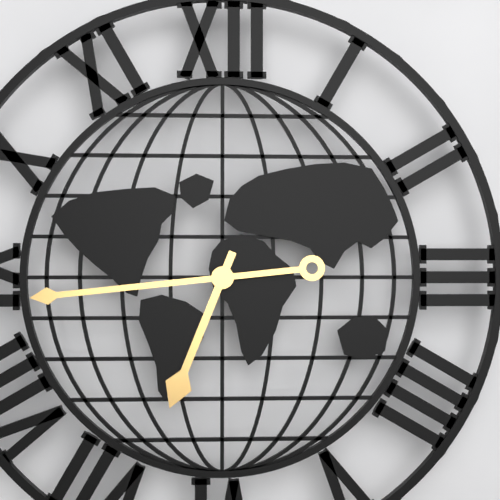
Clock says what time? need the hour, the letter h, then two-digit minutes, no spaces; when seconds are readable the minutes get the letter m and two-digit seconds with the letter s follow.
6h44
